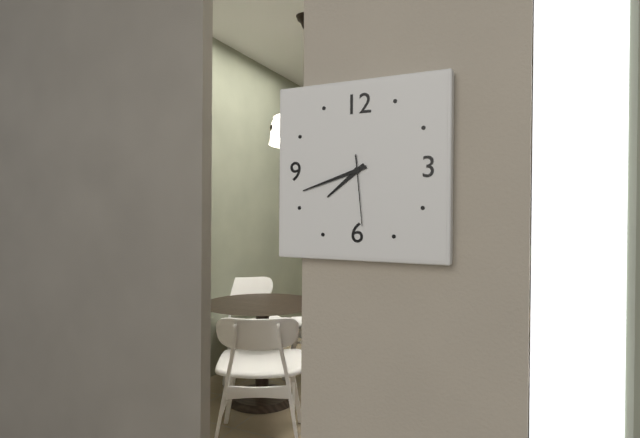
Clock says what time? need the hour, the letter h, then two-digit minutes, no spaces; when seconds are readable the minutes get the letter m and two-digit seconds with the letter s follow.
7h42m29s
